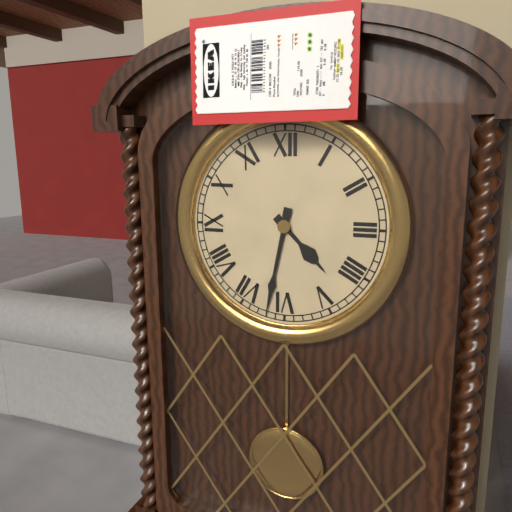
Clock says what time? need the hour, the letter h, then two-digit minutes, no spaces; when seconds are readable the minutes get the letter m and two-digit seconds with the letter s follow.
4h32
